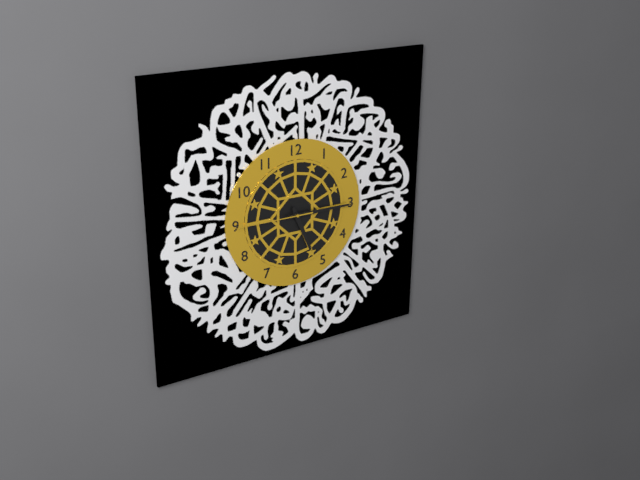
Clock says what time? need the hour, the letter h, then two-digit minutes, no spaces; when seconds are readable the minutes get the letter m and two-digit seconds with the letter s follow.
5h15m45s
